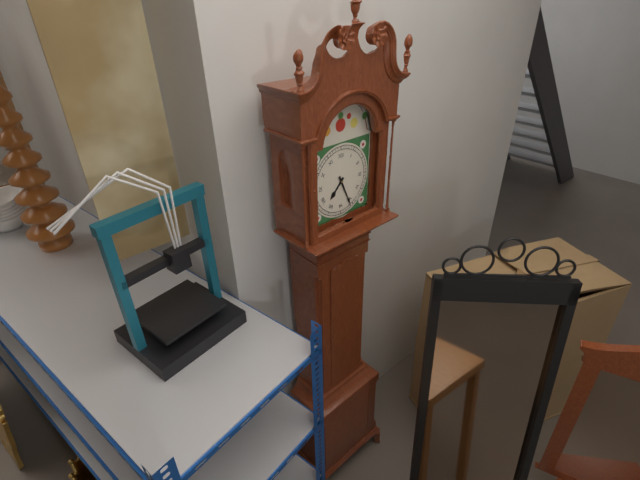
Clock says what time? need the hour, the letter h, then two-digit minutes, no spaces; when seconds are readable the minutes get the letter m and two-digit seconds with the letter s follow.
7h26
